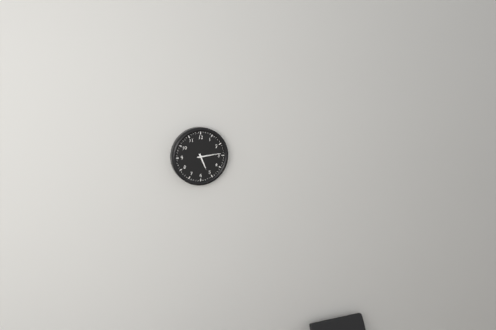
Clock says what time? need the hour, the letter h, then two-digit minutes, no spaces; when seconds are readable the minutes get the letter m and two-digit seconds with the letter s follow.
5h14
